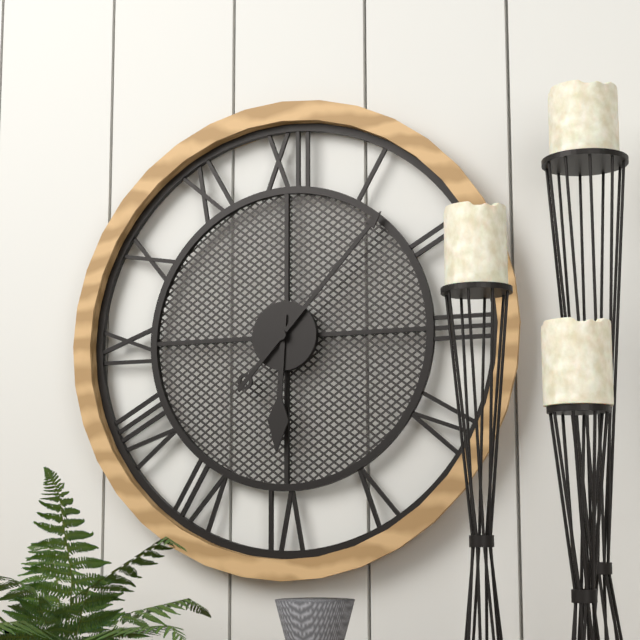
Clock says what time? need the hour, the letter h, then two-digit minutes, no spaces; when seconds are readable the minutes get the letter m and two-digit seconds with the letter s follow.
6h07
